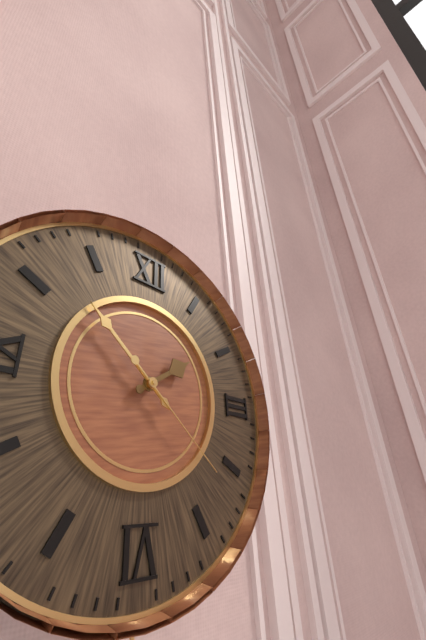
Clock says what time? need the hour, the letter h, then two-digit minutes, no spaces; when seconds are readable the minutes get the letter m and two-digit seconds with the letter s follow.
1h52m22s
